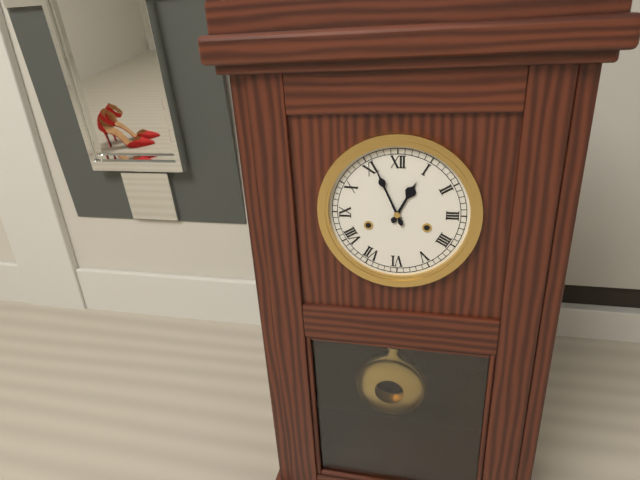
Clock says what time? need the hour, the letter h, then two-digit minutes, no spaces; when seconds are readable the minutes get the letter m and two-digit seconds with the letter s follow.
12h56
